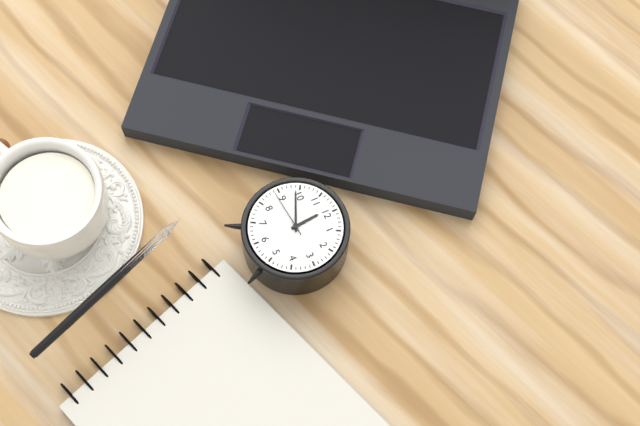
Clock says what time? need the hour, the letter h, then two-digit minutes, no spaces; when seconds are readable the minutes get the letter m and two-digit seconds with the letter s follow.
11h49m44s
